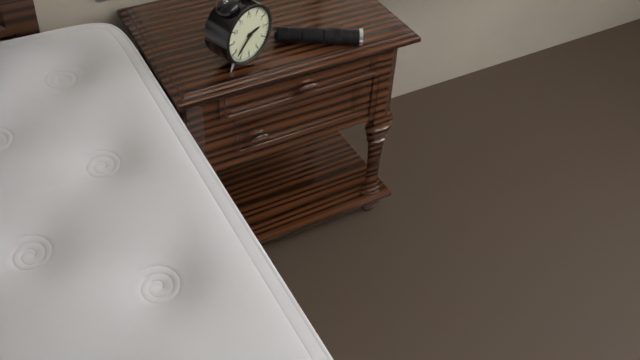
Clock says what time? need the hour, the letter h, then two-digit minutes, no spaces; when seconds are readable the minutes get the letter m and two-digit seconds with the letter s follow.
2h38
